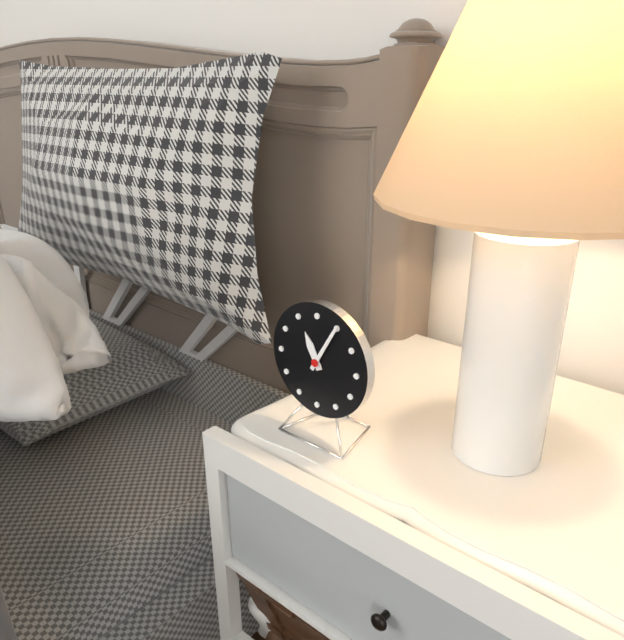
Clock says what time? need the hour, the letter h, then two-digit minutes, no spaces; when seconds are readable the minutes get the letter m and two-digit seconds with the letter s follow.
11h05
